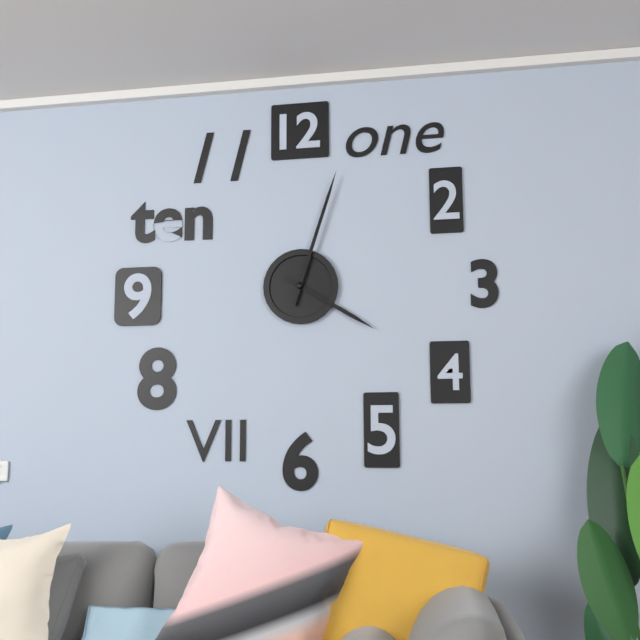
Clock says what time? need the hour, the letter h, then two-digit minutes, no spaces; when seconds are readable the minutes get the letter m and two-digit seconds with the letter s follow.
4h03
